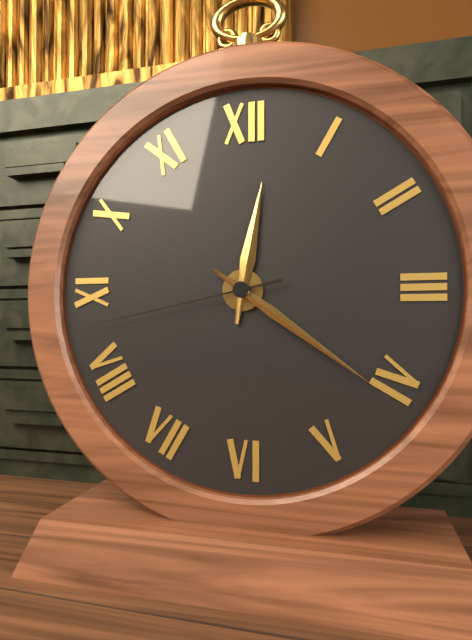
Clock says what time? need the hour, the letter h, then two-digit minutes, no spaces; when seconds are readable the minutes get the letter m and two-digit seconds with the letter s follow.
12h21m43s
